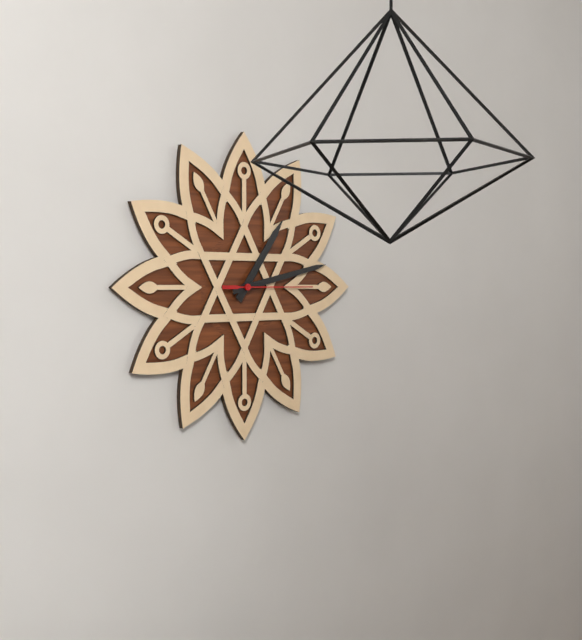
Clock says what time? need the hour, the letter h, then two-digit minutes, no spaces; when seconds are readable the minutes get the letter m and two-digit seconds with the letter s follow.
1h13m15s
